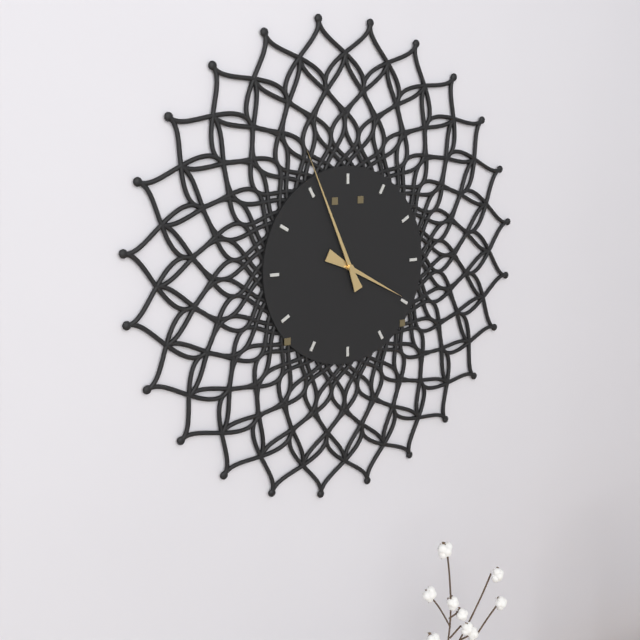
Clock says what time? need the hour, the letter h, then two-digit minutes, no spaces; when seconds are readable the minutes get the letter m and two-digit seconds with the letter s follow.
3h56
